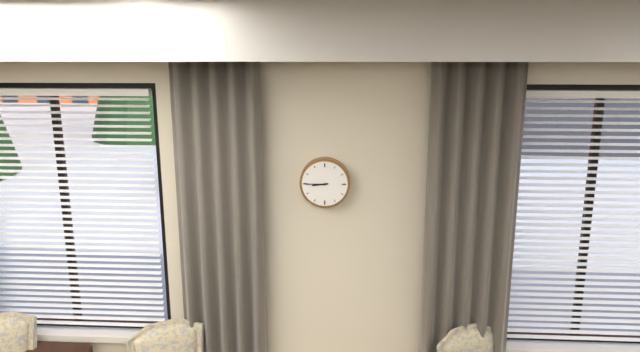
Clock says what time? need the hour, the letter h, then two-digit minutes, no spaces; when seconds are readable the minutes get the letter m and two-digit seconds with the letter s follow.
8h45
